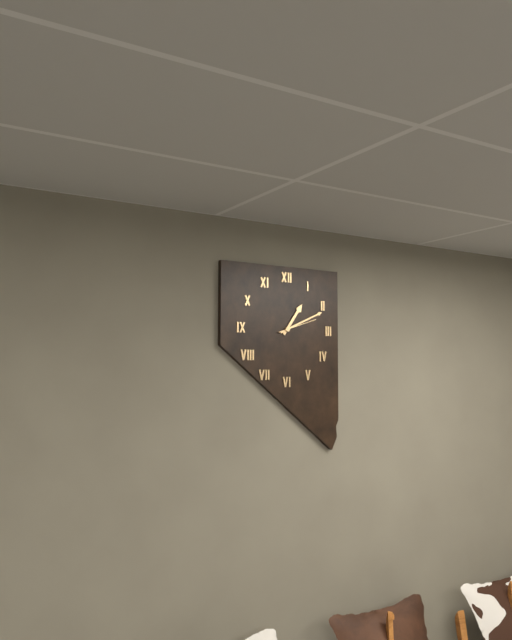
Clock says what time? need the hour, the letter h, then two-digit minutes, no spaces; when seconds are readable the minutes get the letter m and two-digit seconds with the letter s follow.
1h11
